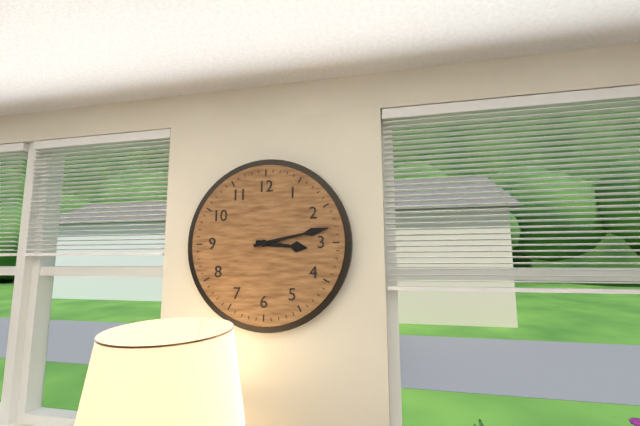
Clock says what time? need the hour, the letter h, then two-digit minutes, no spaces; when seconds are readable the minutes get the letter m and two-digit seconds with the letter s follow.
3h13
